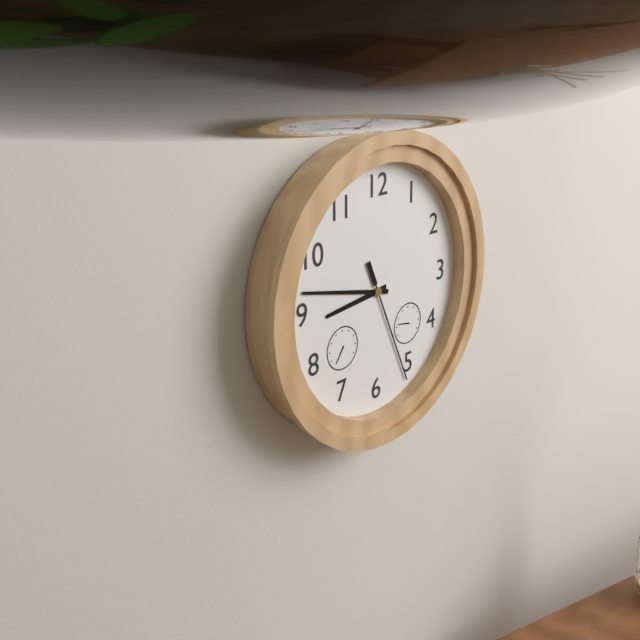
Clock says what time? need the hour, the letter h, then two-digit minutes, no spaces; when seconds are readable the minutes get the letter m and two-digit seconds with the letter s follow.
8h47m26s
